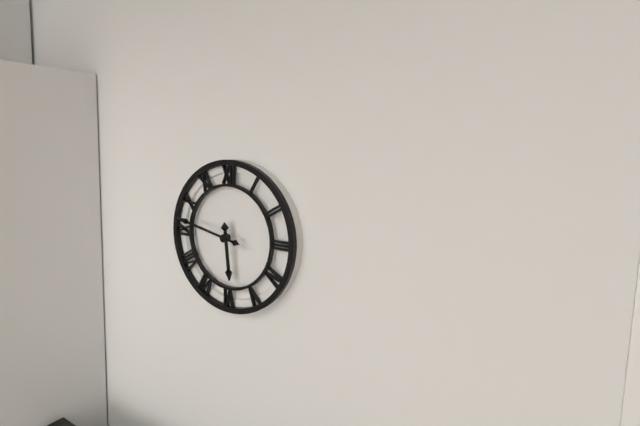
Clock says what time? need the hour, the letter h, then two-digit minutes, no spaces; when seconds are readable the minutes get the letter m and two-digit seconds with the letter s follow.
5h47
